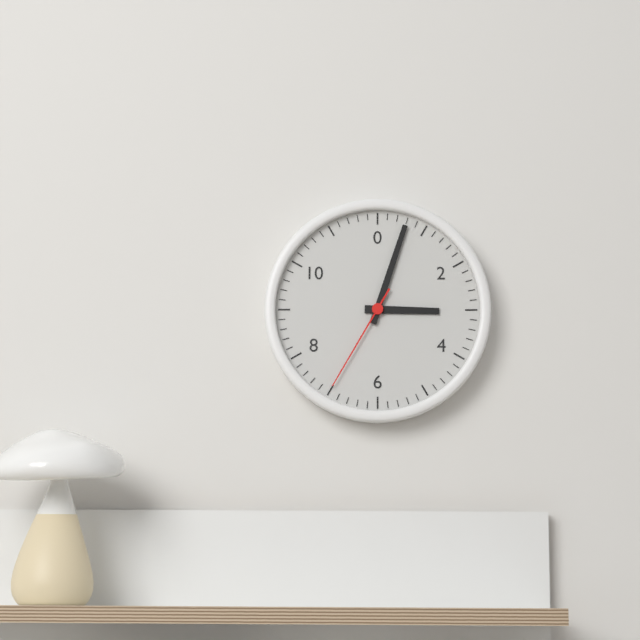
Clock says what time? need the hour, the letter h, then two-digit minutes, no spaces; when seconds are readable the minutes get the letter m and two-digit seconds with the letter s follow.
3h03m35s
